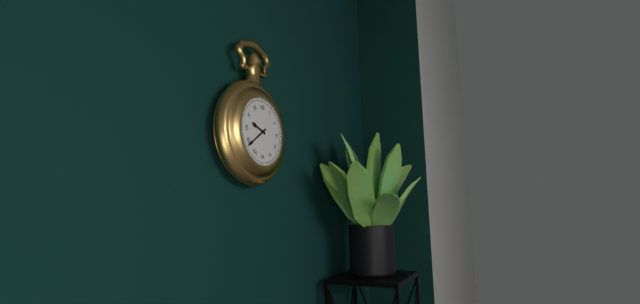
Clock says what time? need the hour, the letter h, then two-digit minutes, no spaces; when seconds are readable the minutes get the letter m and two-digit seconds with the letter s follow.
9h39
